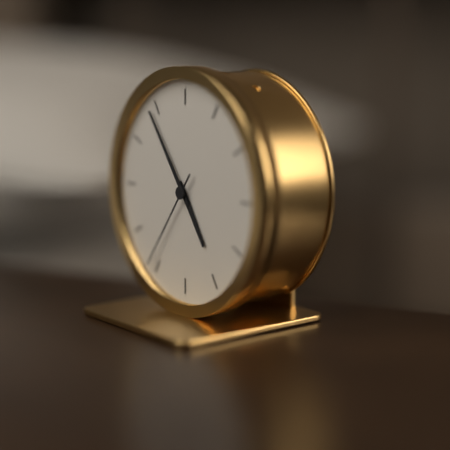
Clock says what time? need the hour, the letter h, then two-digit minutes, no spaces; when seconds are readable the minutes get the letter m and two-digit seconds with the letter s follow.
4h54m36s
